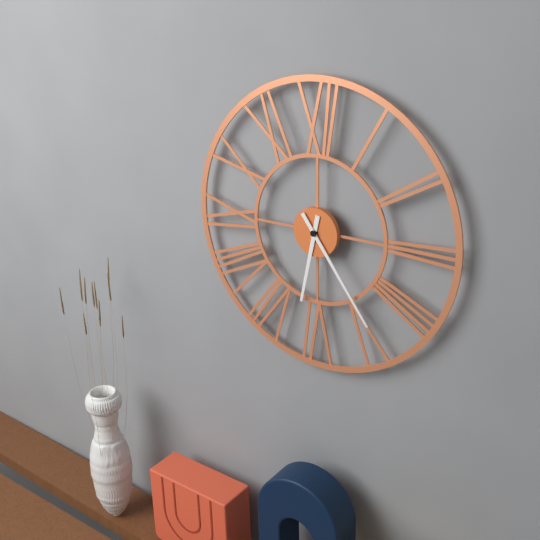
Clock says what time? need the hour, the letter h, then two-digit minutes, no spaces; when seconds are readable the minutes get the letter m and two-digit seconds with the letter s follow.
6h24
